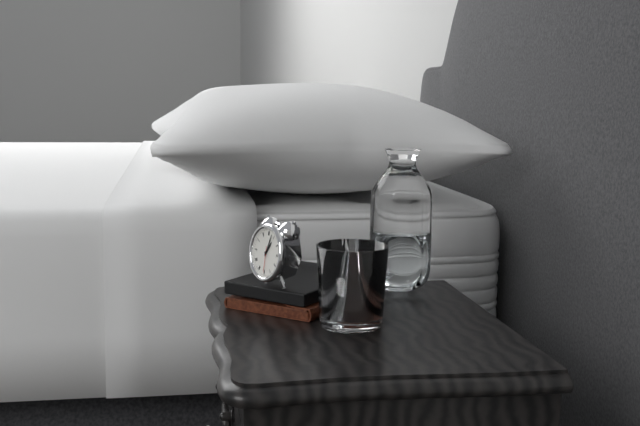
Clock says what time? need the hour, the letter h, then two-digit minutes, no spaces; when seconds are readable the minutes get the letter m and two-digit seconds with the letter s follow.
1h03
